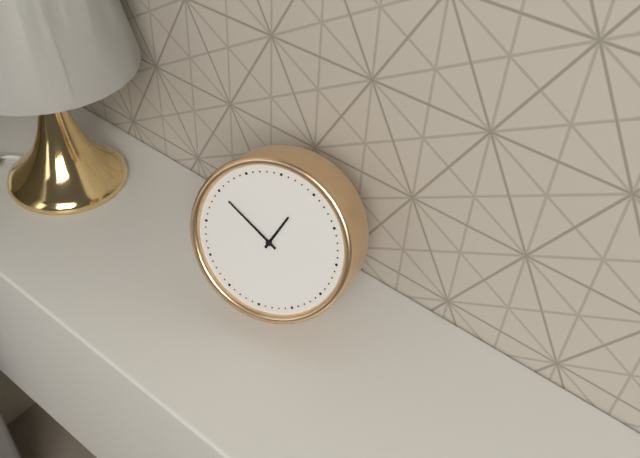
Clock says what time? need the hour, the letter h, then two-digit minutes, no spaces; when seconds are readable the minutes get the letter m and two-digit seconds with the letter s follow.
12h50
